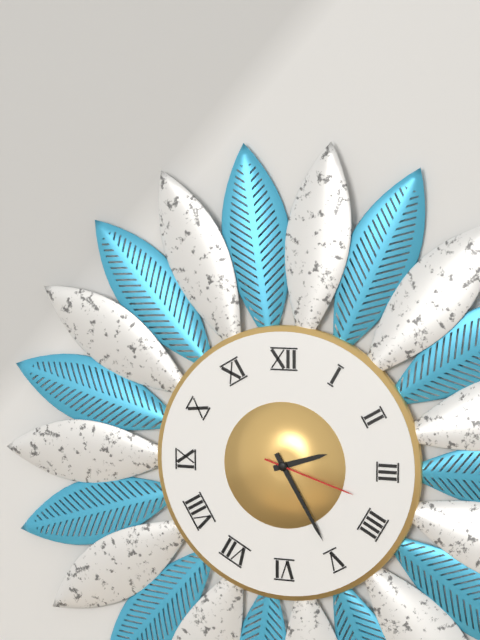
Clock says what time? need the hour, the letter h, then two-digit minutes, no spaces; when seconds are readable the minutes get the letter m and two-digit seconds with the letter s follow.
2h25m18s
